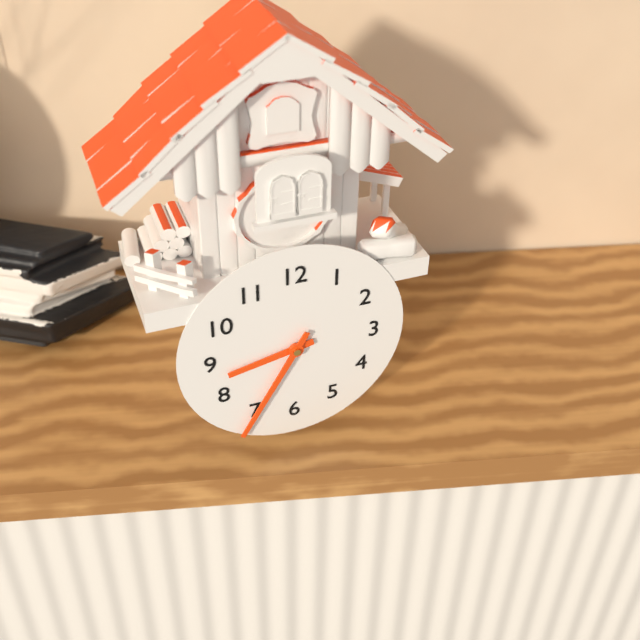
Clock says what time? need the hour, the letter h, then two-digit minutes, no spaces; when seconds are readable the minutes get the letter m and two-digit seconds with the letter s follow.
8h35
